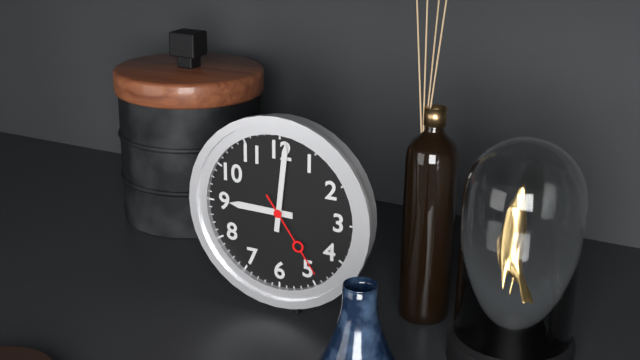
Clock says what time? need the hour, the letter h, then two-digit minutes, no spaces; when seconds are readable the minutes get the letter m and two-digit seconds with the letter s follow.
9h01m24s
